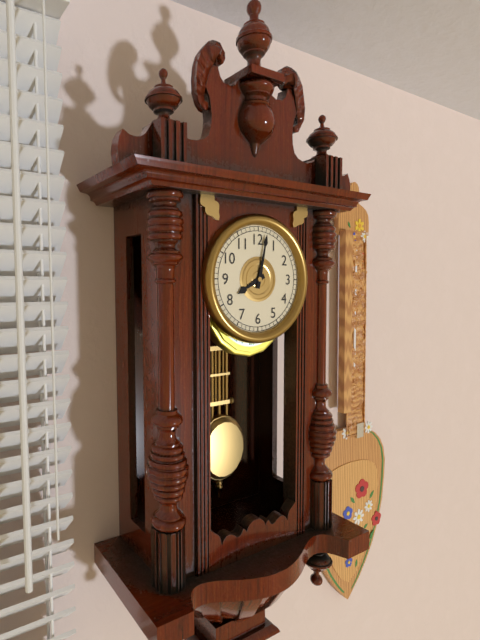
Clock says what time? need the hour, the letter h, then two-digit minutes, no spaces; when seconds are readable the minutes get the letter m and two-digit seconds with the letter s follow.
8h02
